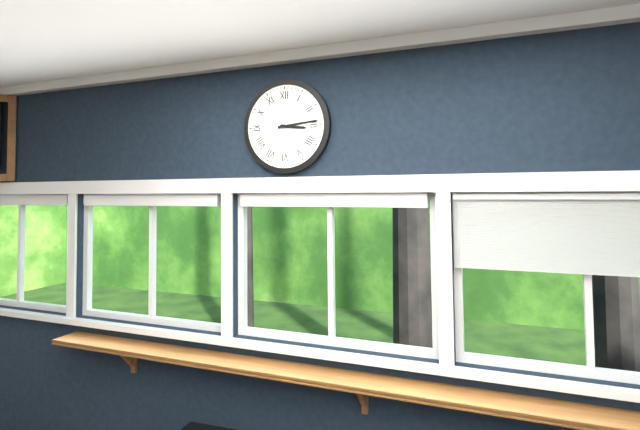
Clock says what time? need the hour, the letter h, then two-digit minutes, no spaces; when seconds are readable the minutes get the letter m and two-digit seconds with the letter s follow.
3h14
